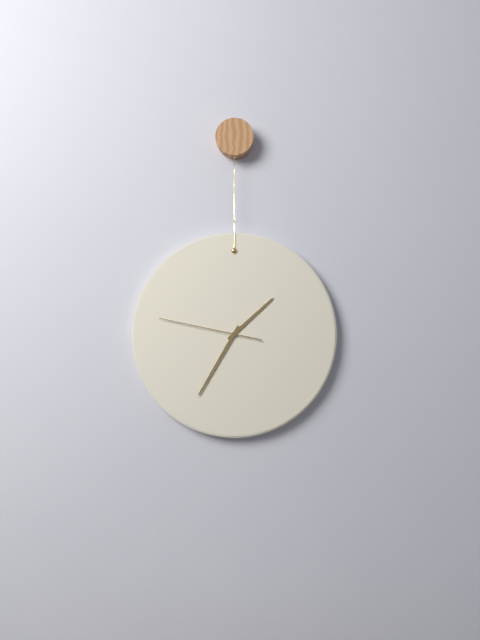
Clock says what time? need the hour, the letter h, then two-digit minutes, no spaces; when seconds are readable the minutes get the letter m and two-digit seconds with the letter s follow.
1h35m47s
